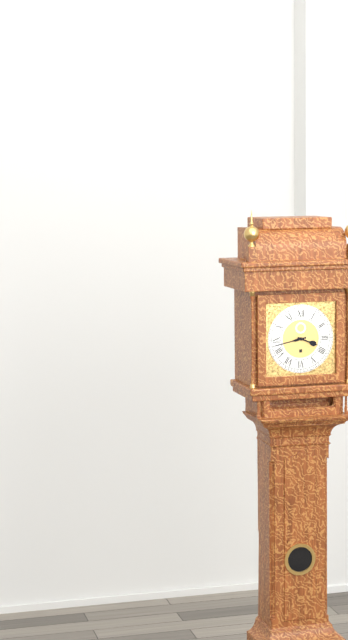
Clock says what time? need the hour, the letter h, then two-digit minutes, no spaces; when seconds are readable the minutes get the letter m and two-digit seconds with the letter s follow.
3h43
